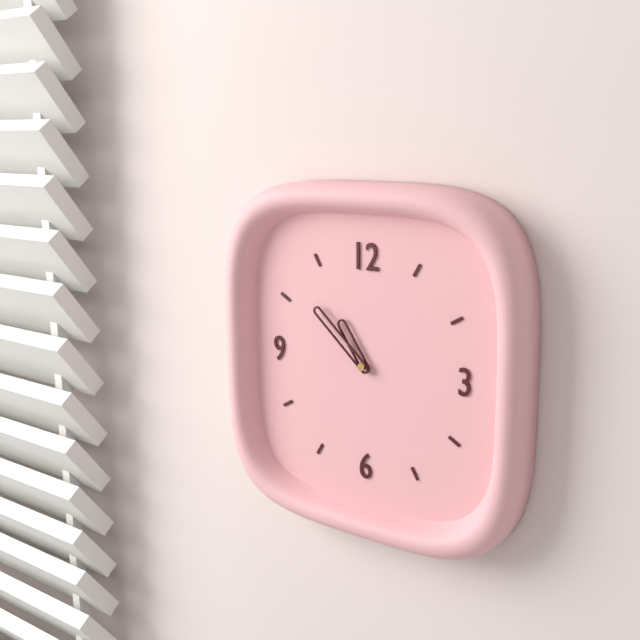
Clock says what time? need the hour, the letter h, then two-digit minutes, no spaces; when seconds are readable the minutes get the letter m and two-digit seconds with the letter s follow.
10h52
